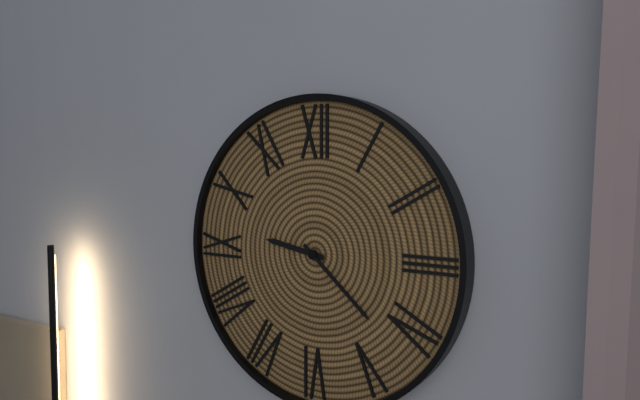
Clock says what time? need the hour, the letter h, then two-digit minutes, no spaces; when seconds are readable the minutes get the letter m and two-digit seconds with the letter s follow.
9h22
